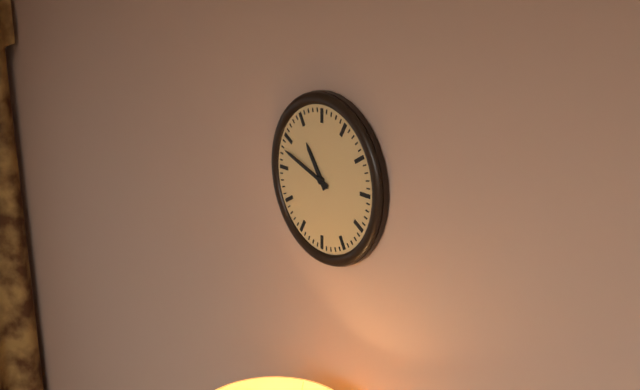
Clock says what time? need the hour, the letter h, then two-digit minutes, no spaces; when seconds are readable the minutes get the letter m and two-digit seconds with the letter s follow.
10h48
